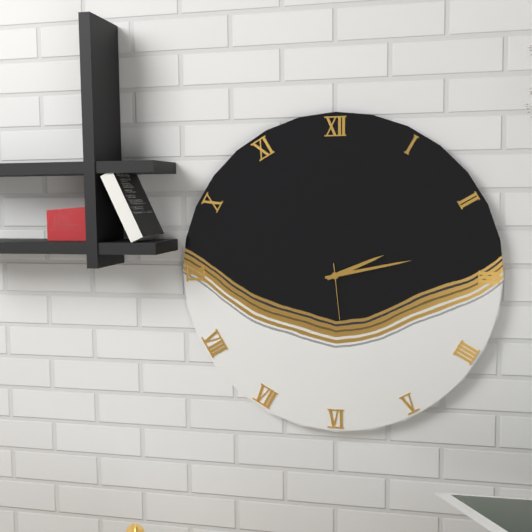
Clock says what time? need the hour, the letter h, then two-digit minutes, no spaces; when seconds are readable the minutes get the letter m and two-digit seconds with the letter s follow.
2h13m29s
